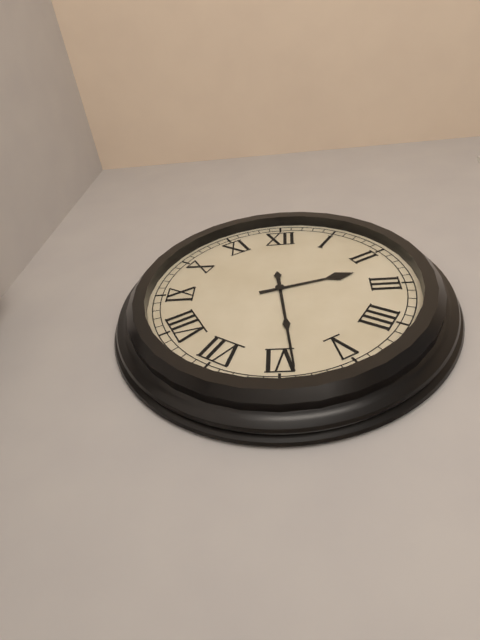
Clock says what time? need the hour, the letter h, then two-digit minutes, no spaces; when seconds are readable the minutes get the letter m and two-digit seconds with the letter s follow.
2h29
